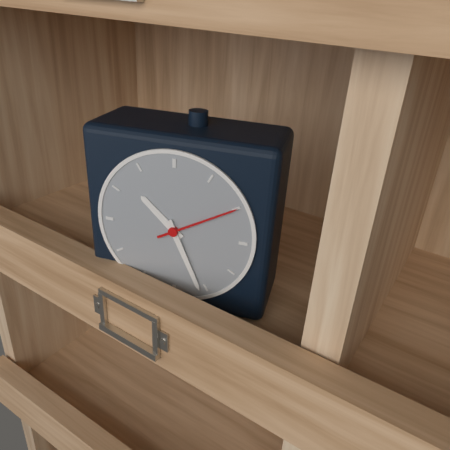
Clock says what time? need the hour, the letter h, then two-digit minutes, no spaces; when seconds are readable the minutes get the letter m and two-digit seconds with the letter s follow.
10h26m10s
